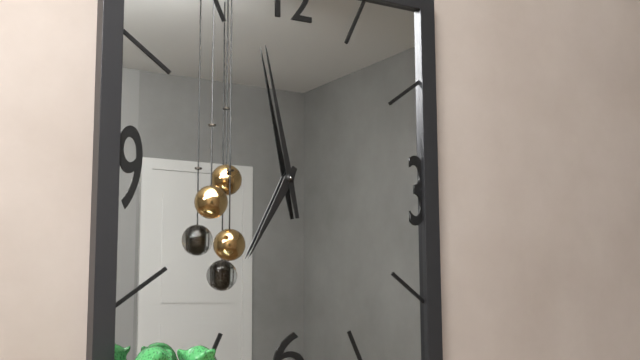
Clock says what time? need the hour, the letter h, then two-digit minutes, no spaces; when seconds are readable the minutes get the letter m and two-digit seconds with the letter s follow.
6h58
